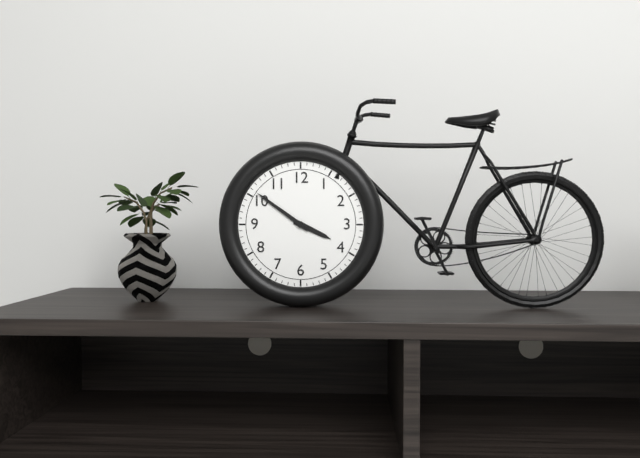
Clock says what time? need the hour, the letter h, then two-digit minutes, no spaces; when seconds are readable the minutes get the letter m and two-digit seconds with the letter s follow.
3h51
